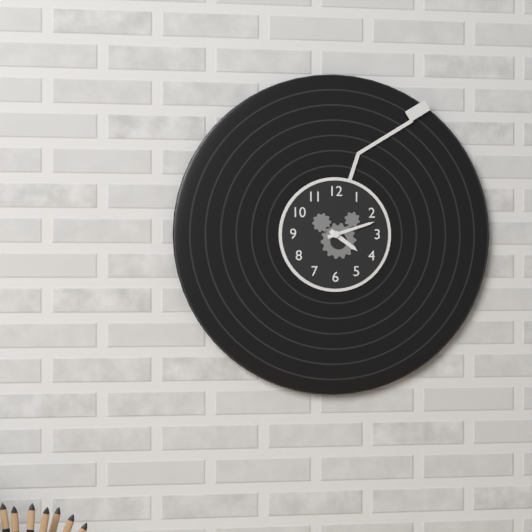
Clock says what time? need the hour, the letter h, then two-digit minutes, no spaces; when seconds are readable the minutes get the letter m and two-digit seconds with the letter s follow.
4h12
